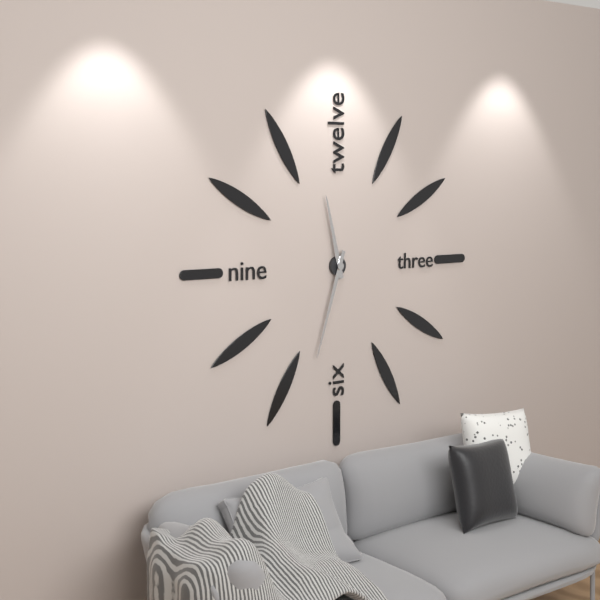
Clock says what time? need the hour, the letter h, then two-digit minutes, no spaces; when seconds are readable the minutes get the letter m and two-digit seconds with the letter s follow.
11h33
